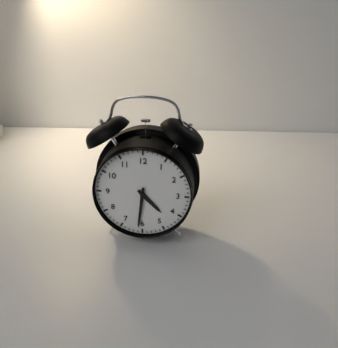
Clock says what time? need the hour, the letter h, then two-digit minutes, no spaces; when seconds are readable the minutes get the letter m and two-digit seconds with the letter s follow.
4h31
